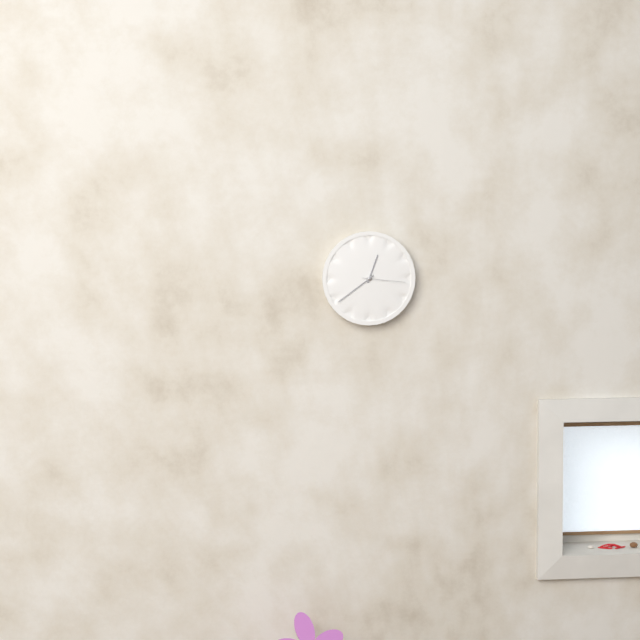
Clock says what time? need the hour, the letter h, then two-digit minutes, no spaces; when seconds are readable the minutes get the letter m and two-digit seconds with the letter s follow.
12h39
